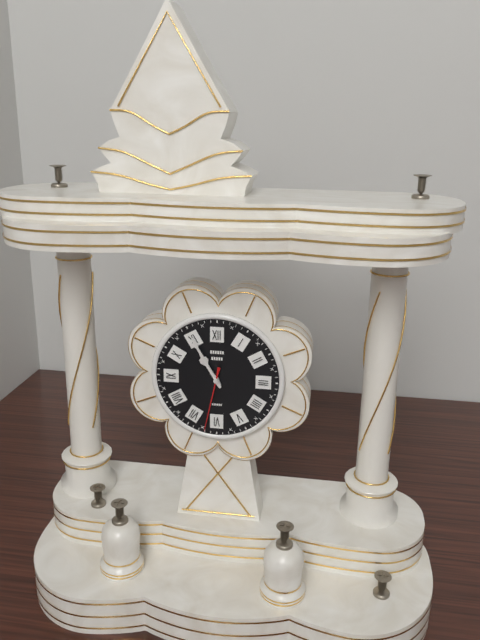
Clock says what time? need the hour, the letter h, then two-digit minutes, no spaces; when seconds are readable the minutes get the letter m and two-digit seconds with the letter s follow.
10h55m32s
